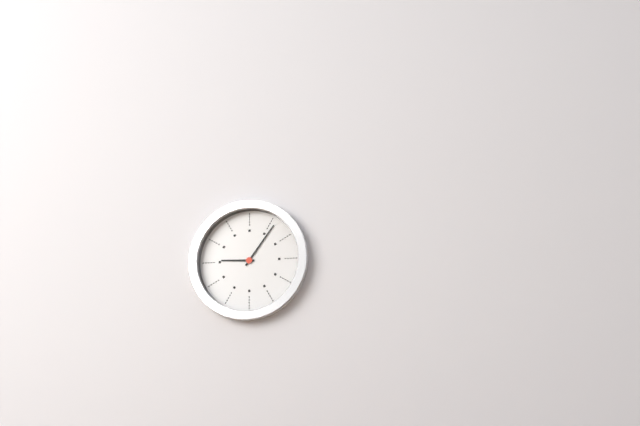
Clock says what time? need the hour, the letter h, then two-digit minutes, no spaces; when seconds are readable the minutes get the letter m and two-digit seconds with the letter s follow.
9h06
